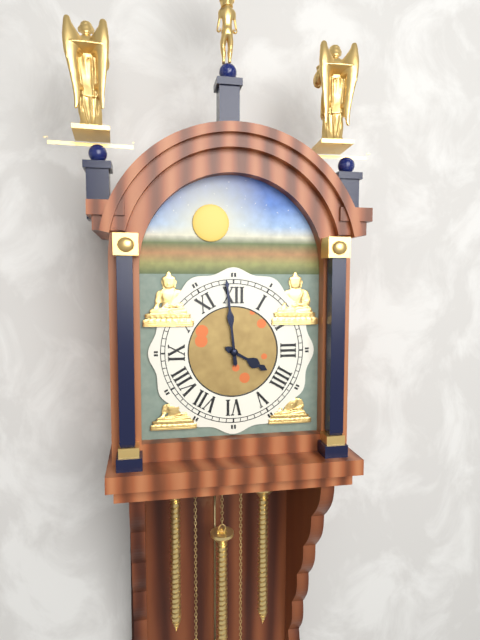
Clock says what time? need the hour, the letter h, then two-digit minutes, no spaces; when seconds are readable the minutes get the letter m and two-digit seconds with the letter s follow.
3h59
